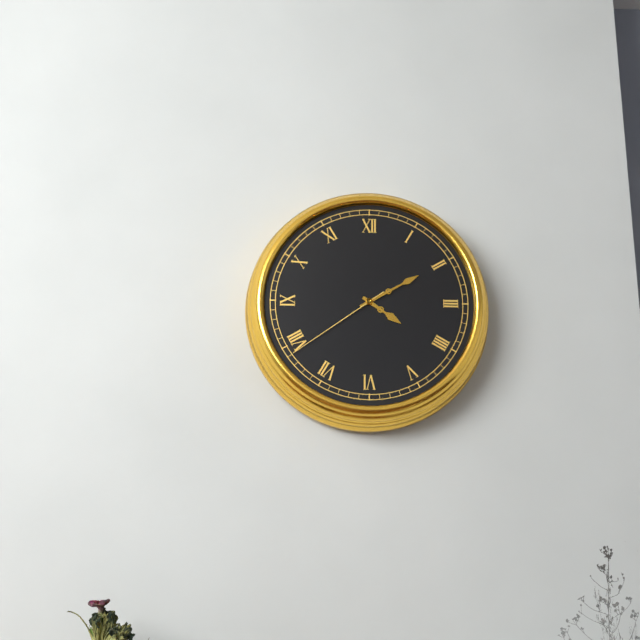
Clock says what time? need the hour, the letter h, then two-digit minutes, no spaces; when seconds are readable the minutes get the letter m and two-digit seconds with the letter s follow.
4h10m39s
